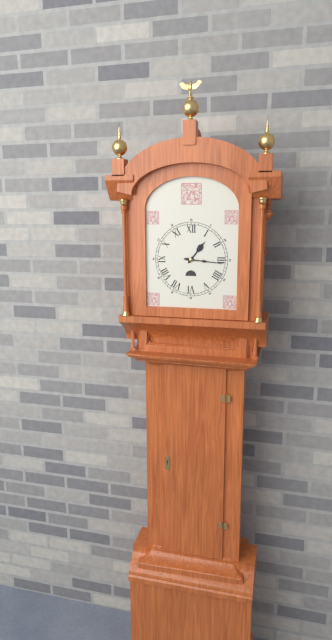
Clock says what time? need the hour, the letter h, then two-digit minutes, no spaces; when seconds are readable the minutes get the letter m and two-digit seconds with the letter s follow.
1h16
